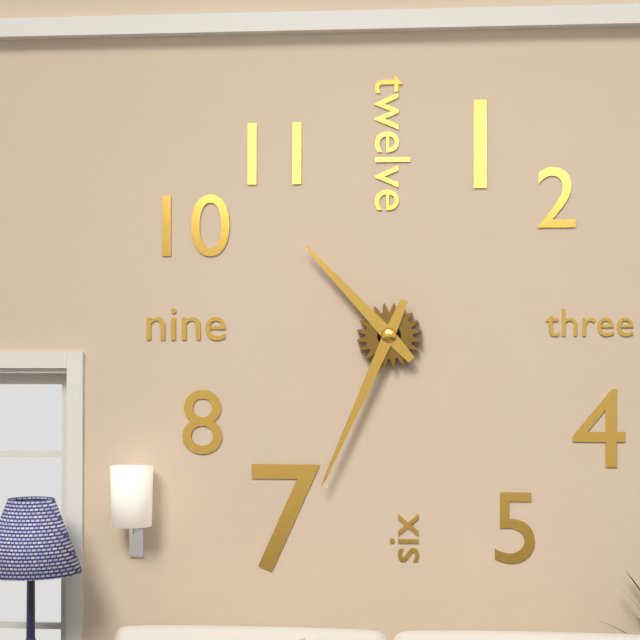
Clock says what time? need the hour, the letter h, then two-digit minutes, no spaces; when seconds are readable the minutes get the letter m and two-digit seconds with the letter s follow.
10h34
